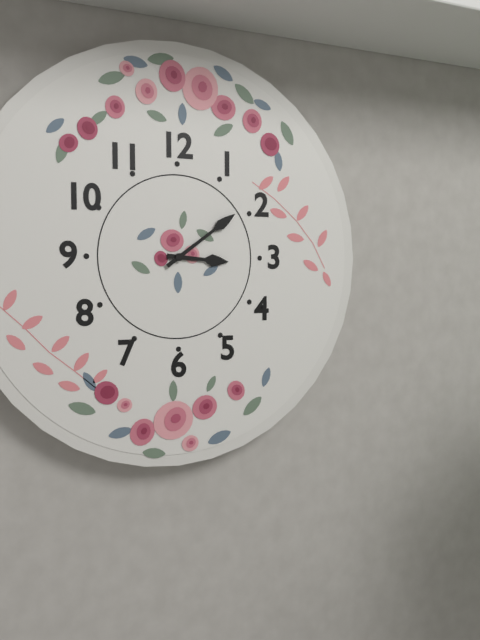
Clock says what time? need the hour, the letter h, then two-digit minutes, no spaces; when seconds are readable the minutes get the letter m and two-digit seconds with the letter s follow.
3h09
